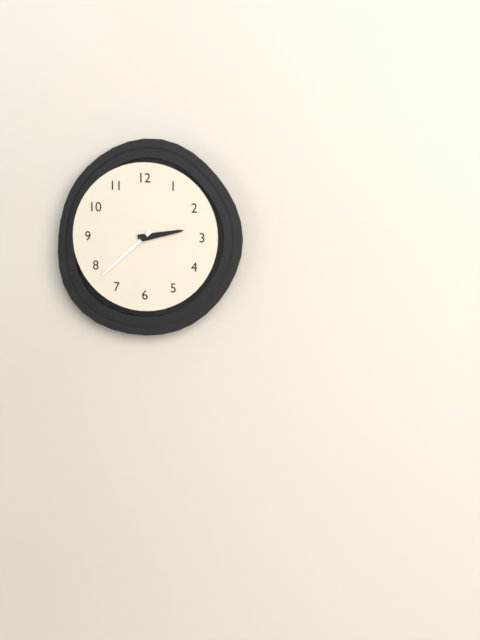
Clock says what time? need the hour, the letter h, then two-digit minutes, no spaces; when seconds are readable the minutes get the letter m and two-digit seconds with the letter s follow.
2h38
